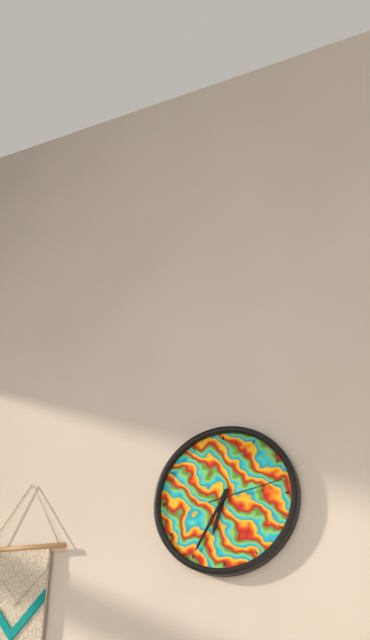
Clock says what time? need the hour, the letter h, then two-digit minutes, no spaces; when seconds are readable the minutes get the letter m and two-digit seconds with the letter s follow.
6h35m13s
